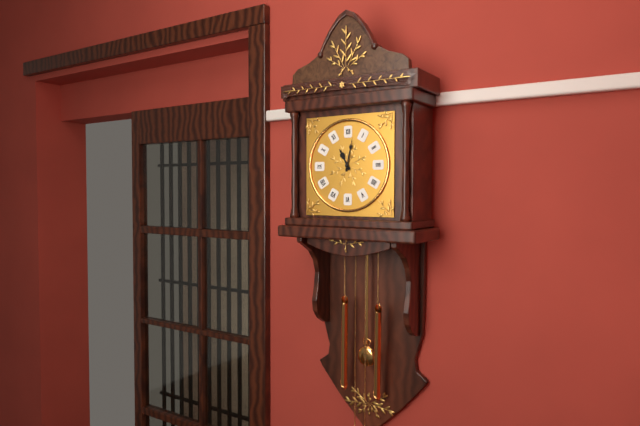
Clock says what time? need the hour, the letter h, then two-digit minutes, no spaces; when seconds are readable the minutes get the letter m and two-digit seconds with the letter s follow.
11h02
